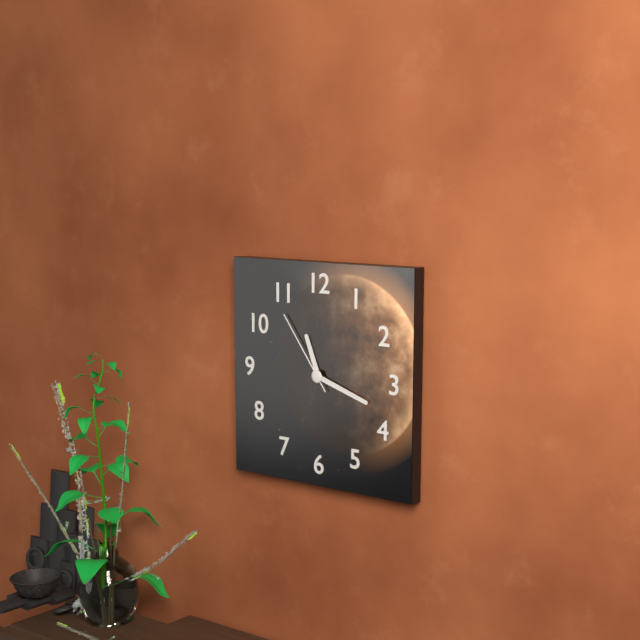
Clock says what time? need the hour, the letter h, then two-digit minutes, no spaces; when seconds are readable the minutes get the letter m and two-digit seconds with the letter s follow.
11h18m54s
